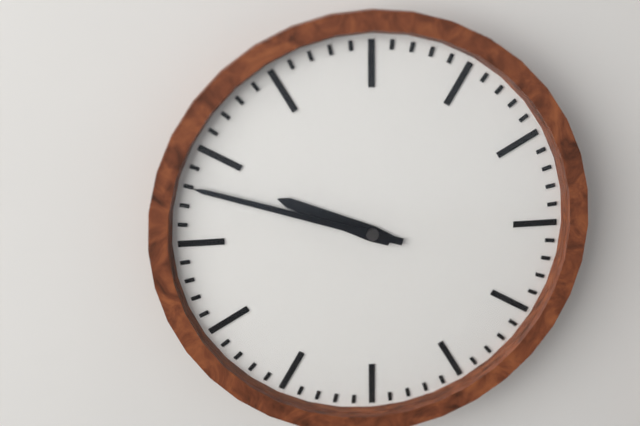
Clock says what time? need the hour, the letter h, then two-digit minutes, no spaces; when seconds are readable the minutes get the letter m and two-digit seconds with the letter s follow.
9h48
